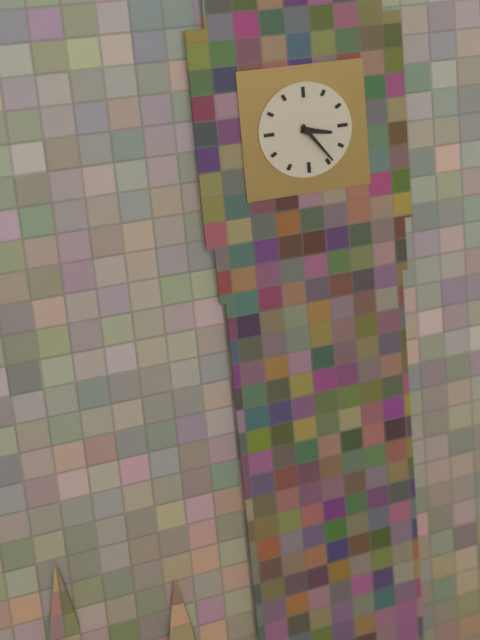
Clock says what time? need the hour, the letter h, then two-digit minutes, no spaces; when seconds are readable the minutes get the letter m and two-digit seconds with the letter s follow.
3h24
